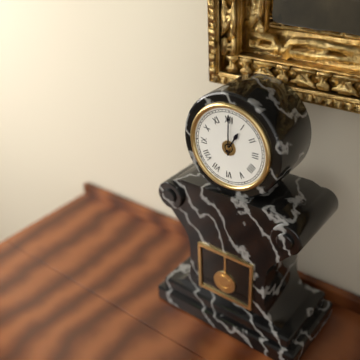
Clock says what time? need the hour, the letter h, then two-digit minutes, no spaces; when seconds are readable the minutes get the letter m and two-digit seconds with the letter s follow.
1h00
